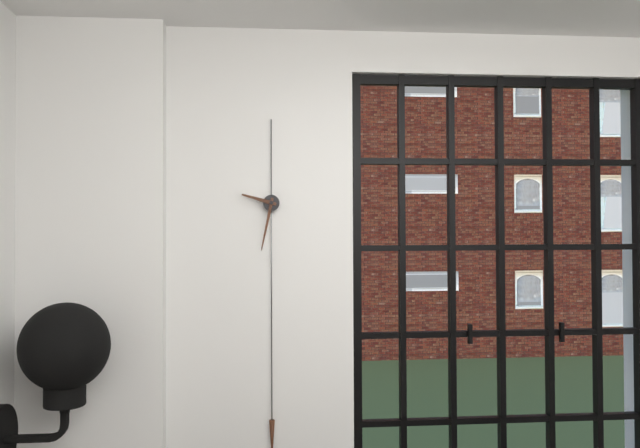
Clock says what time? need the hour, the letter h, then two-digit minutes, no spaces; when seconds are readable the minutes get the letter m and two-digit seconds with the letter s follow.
9h32
